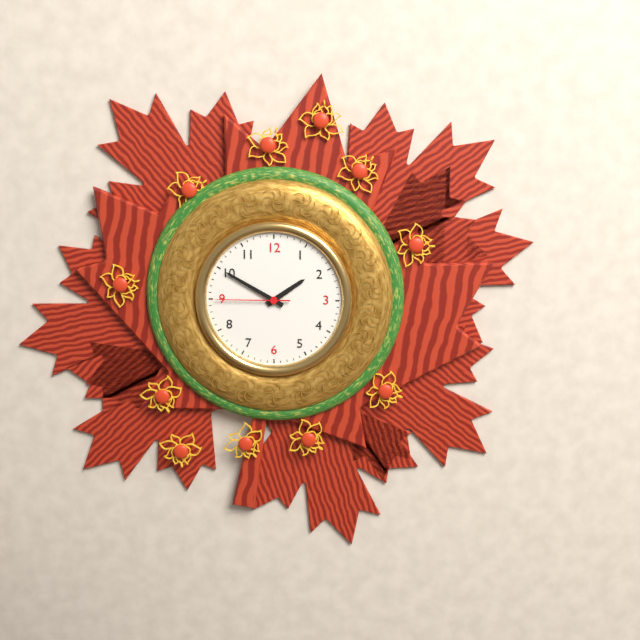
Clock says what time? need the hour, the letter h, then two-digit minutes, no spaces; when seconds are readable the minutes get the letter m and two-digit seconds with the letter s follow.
1h50m45s
